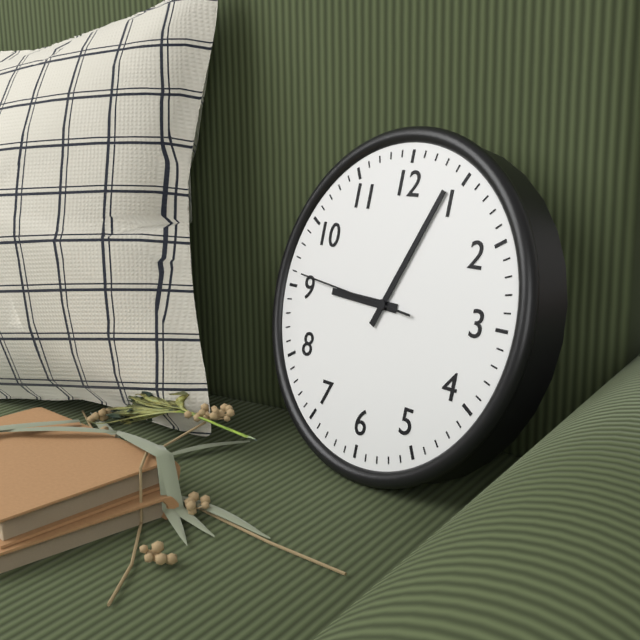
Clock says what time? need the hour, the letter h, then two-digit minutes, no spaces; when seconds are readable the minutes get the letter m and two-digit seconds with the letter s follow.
9h04m46s
